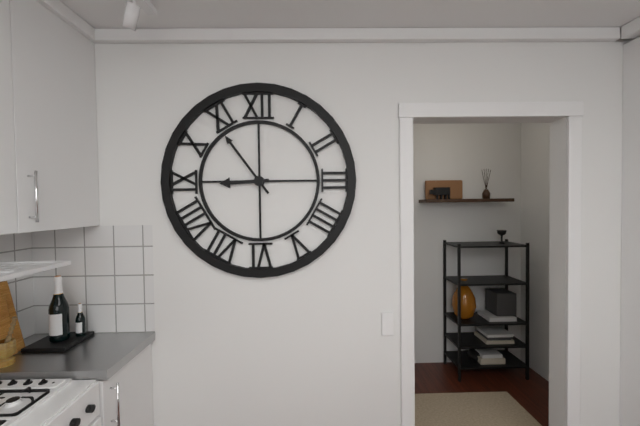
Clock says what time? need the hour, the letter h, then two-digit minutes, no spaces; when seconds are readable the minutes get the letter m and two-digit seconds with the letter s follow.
8h54
